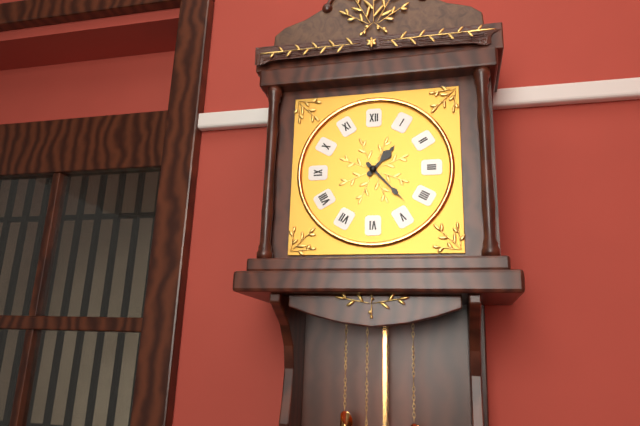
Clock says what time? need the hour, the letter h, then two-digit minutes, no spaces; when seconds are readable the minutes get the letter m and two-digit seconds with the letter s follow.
1h23
